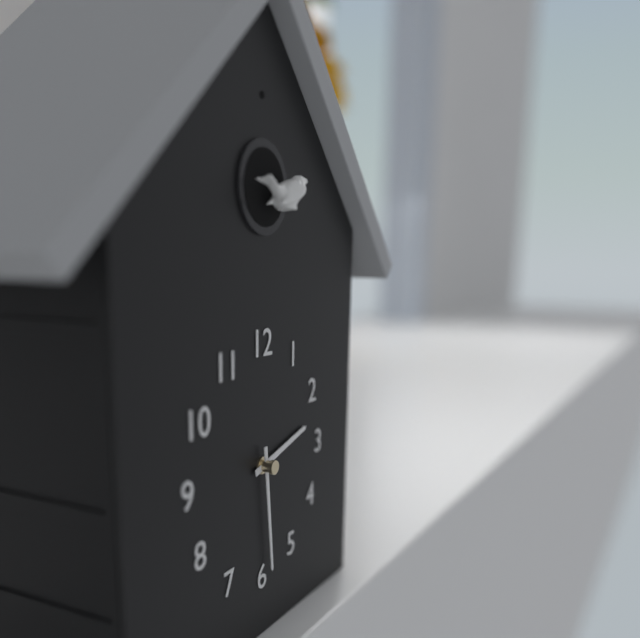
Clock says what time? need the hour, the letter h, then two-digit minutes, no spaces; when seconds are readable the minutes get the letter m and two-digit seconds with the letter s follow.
2h29
